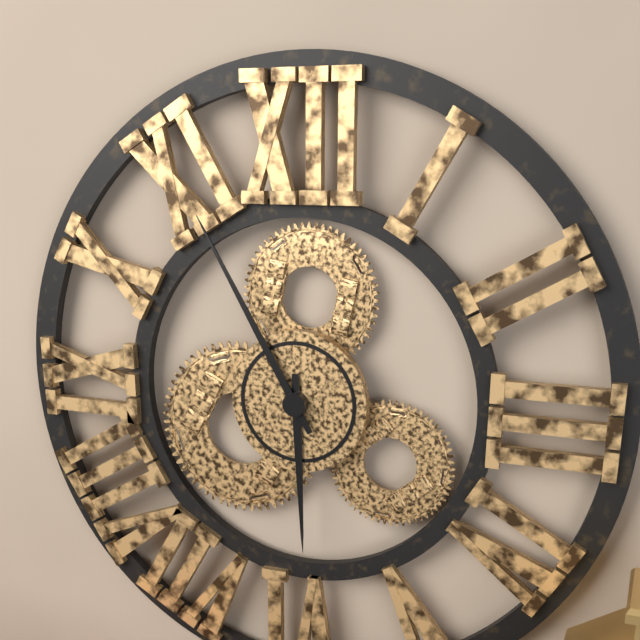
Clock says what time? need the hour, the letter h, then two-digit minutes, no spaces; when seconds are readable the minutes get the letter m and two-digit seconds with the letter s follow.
5h55
